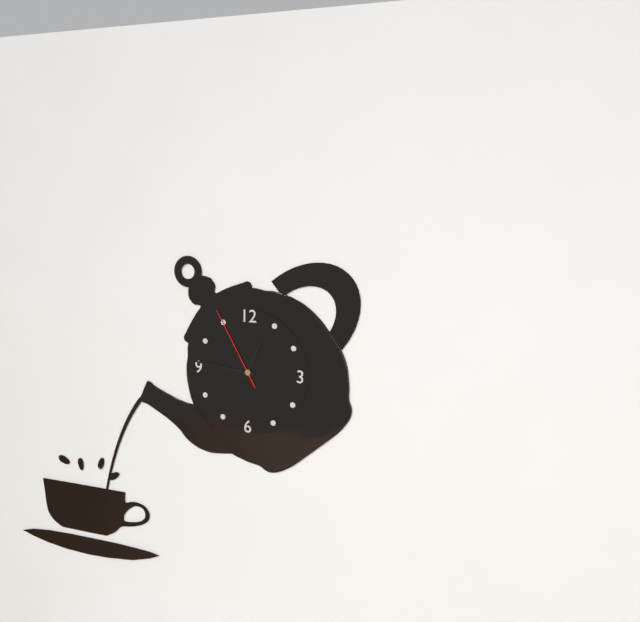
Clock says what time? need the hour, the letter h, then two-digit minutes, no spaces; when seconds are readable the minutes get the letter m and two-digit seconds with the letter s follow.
12h46m55s
